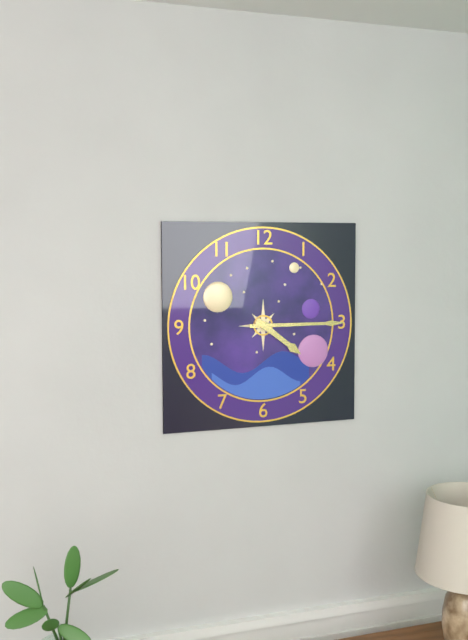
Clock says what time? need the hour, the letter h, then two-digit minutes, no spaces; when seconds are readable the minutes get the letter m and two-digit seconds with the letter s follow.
4h15
